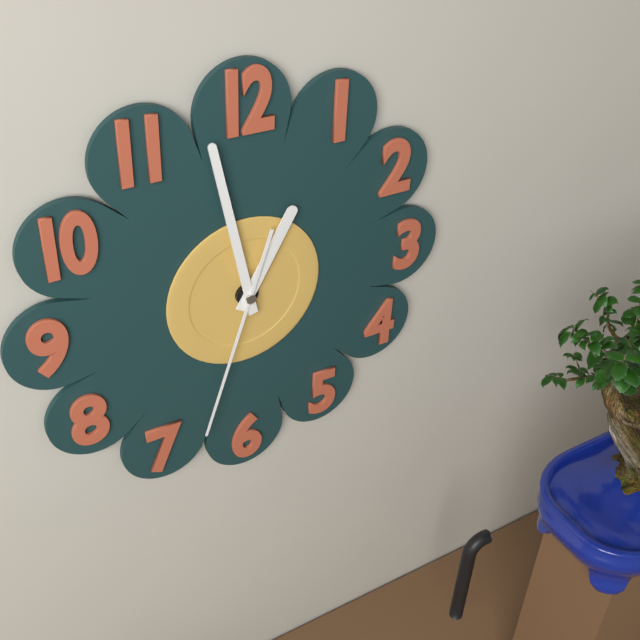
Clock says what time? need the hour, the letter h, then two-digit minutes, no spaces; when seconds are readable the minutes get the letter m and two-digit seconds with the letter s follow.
12h58m33s
